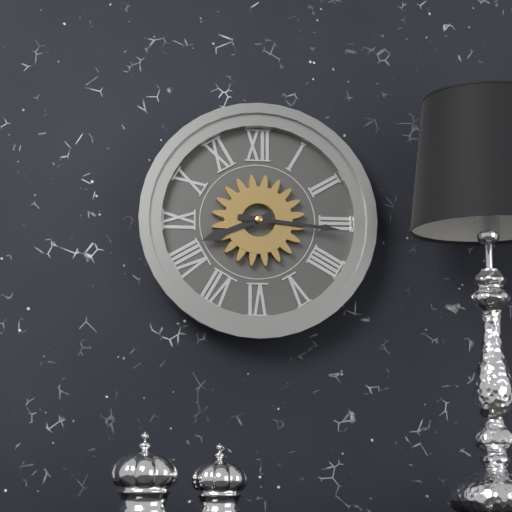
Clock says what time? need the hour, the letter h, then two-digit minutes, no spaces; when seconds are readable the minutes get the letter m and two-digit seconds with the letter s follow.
8h16
